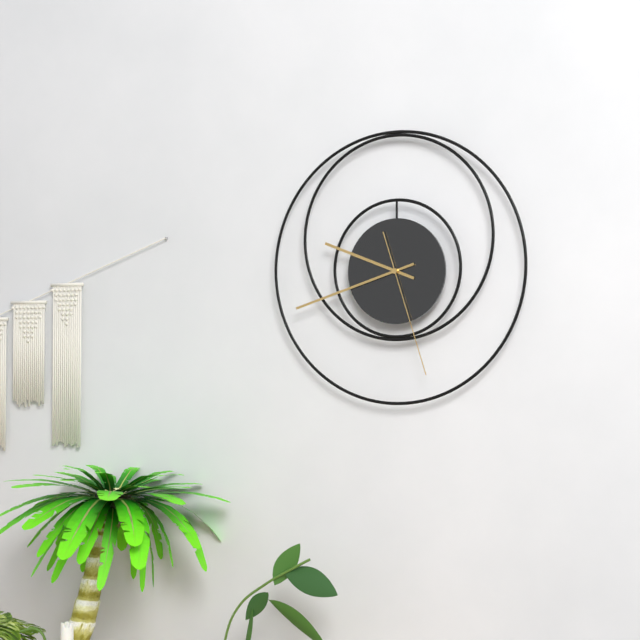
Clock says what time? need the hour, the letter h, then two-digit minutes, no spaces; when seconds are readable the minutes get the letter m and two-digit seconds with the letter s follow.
9h42m27s
